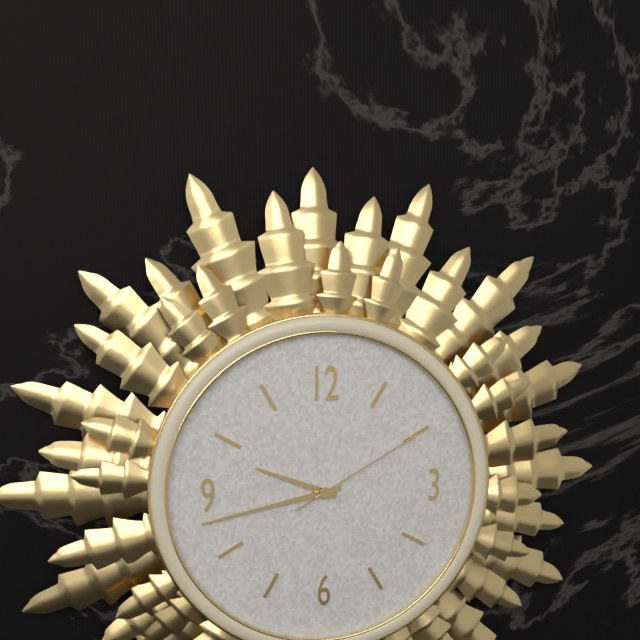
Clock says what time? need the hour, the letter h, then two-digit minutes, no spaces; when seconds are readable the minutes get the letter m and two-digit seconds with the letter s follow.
9h43m10s
